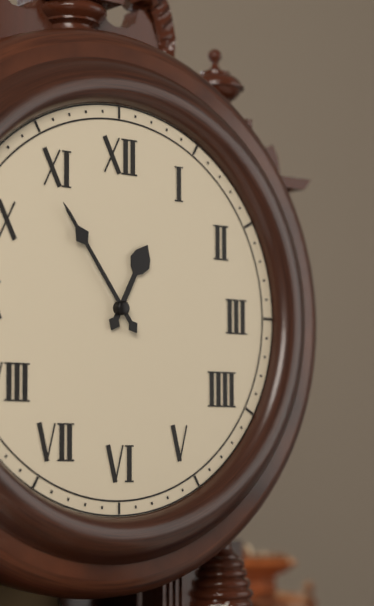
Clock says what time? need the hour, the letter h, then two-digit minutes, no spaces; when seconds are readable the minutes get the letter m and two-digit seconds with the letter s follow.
12h54
